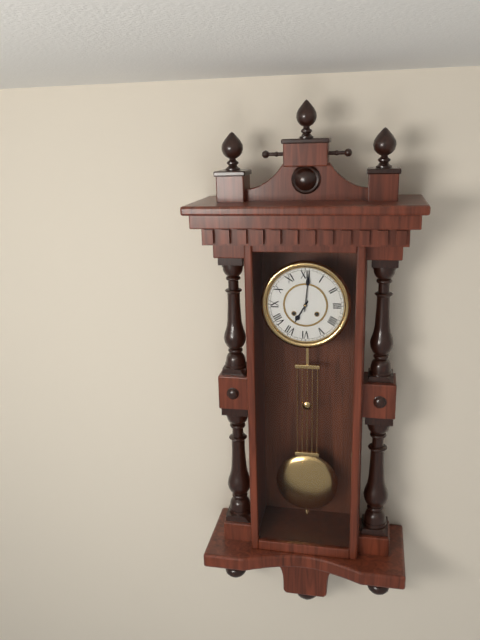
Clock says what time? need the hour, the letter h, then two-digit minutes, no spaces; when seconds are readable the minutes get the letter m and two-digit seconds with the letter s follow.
7h01
